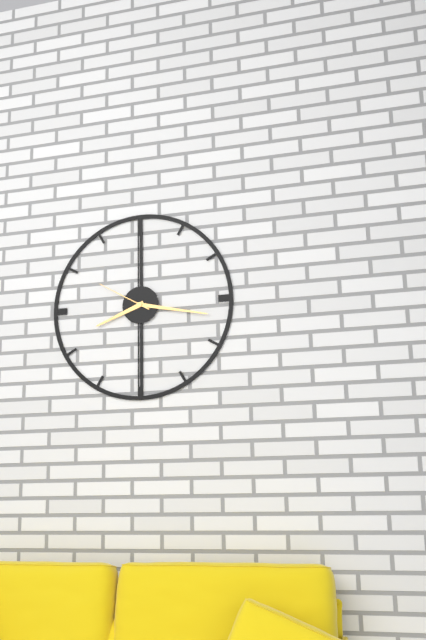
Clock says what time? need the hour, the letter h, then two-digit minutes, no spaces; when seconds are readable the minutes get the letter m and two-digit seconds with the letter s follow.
8h17m50s
